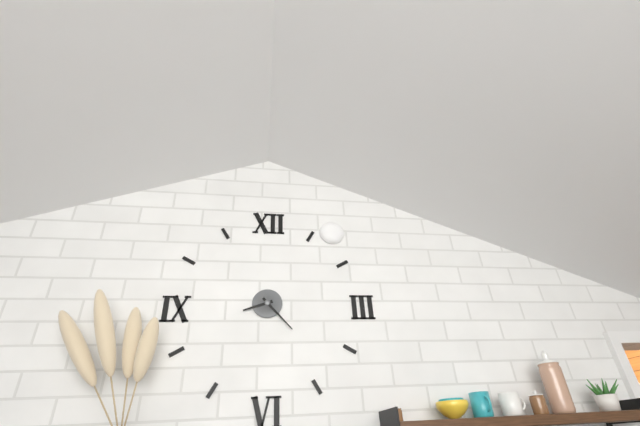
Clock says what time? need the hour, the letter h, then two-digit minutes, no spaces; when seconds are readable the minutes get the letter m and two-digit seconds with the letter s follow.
8h23
